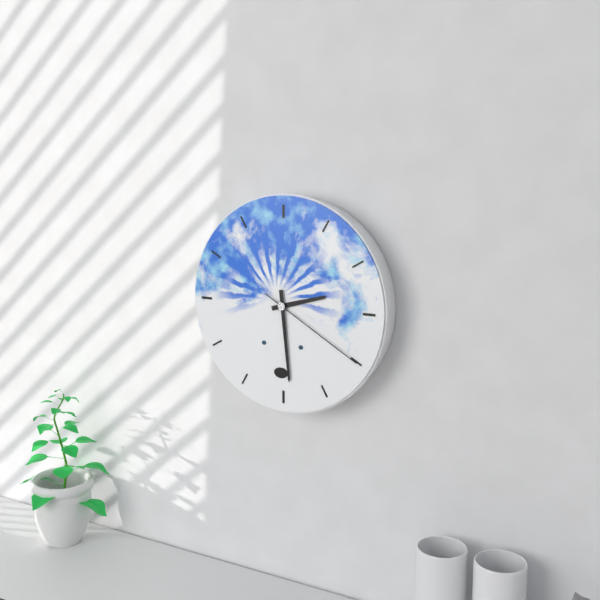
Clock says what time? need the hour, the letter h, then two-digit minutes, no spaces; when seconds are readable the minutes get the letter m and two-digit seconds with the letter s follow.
2h29m20s
